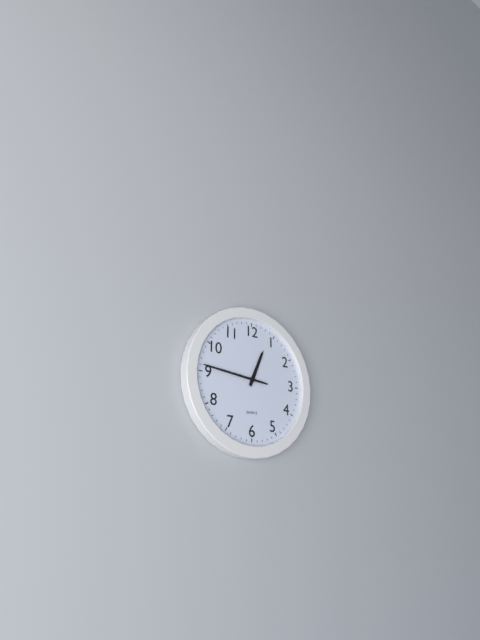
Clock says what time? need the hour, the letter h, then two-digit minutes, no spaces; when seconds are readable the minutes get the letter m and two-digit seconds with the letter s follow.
12h46
